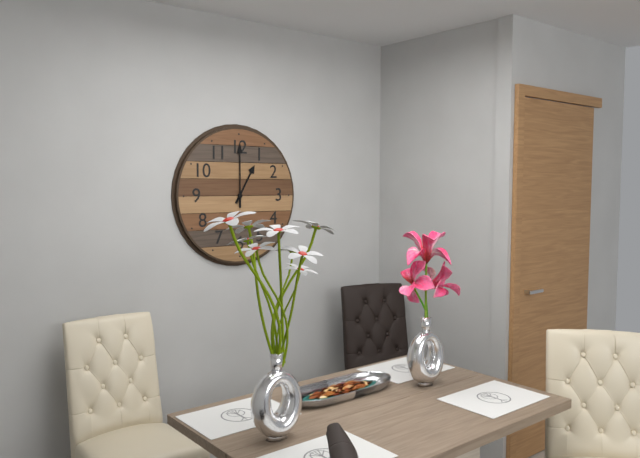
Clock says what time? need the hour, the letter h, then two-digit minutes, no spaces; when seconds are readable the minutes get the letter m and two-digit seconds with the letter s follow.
1h00
